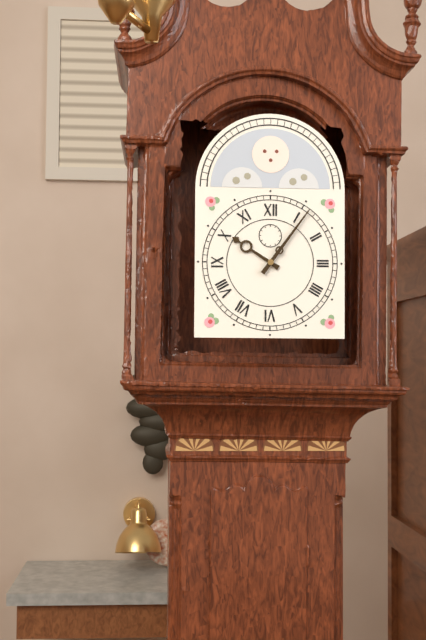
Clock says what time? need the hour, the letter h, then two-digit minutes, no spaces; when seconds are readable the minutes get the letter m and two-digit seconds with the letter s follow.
10h06
